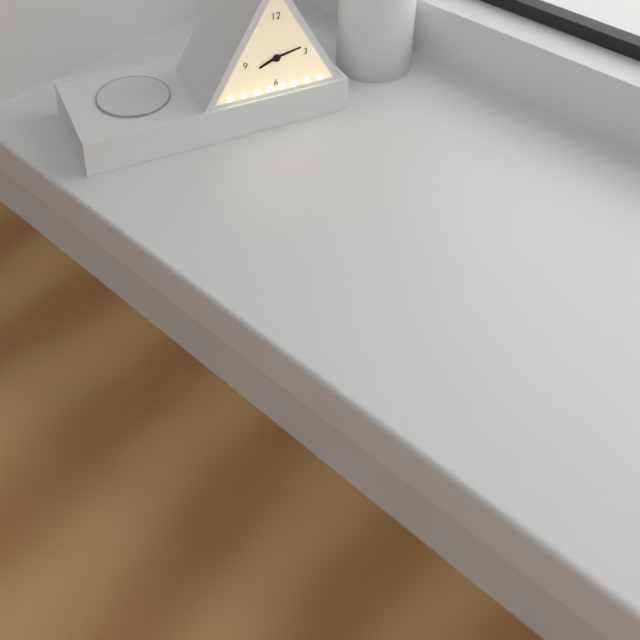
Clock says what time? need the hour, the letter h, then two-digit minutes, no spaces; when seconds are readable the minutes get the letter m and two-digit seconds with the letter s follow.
8h13
